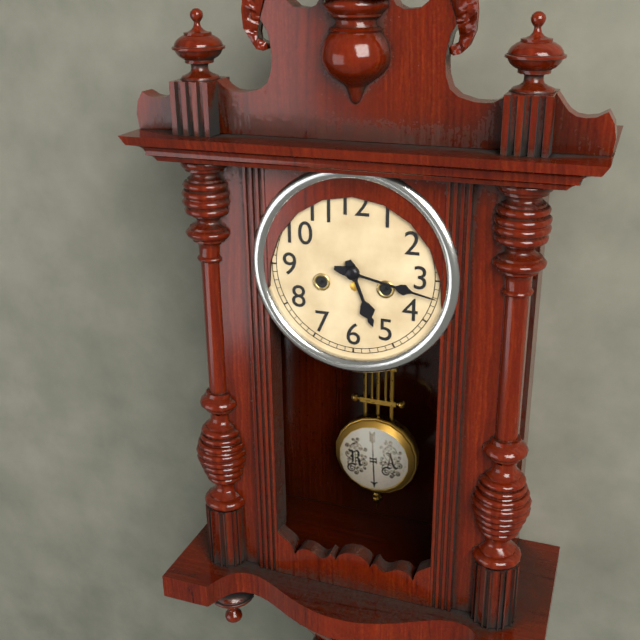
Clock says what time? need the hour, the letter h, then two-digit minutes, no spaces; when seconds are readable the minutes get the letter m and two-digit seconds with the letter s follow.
5h17
